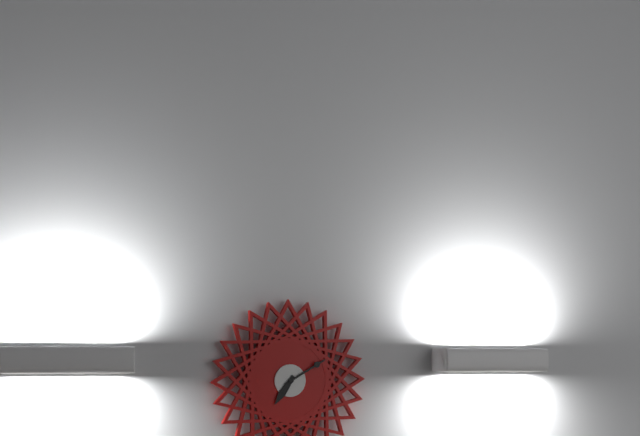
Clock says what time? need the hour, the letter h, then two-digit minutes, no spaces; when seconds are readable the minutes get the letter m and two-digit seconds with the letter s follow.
7h10
